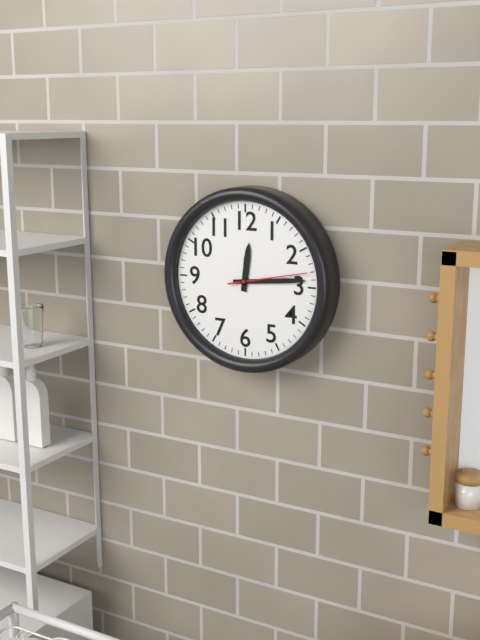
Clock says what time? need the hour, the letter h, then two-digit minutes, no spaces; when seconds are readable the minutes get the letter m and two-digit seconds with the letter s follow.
12h14m13s
